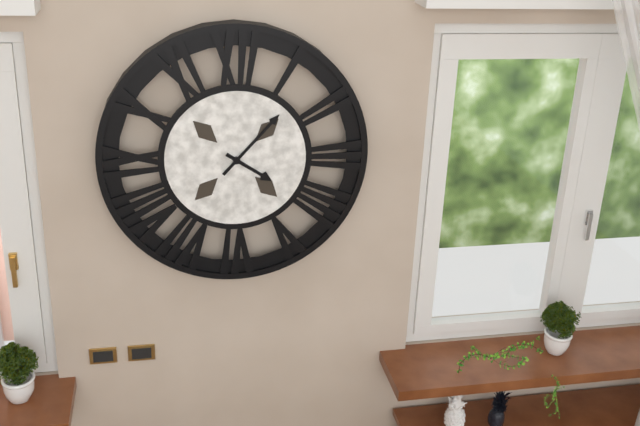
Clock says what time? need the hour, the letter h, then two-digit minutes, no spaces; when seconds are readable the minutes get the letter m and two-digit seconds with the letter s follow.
4h07
